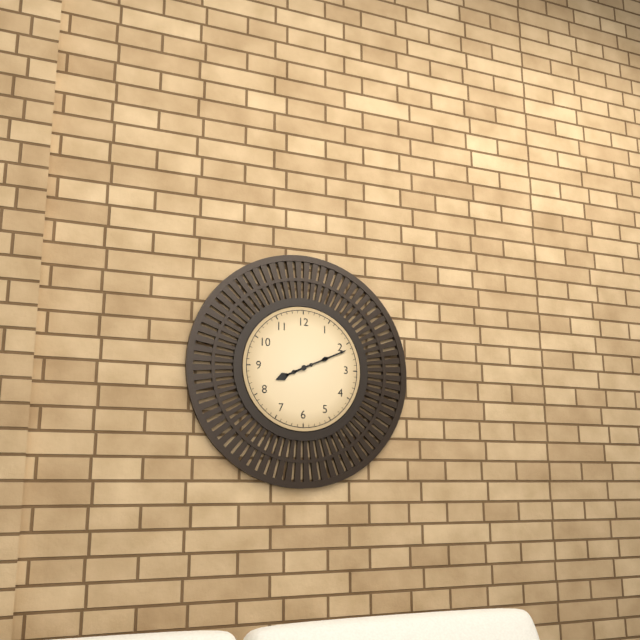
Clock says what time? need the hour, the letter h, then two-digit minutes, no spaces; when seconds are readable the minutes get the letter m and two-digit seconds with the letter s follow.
8h11
